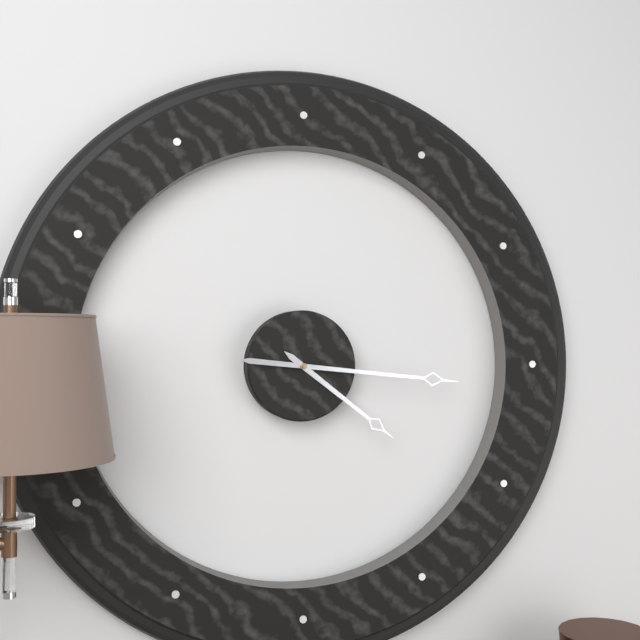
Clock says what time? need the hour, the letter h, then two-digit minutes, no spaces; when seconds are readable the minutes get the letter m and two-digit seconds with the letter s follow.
4h16
